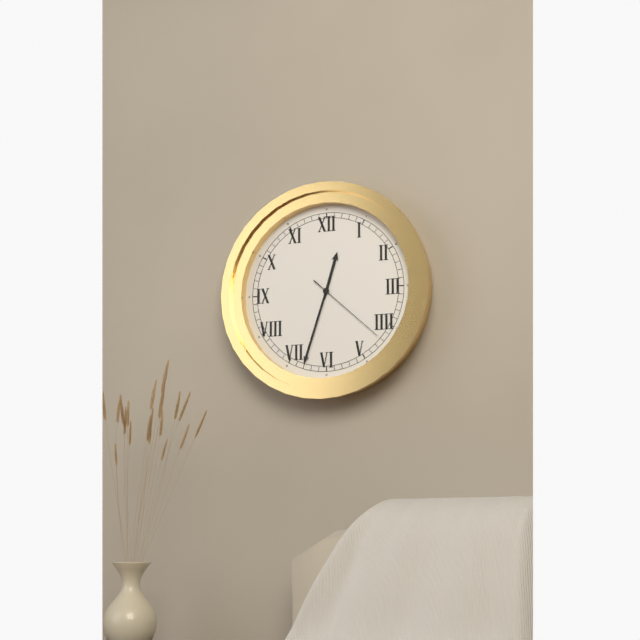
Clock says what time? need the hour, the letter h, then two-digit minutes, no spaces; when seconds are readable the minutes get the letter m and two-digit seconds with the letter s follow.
12h33m22s
